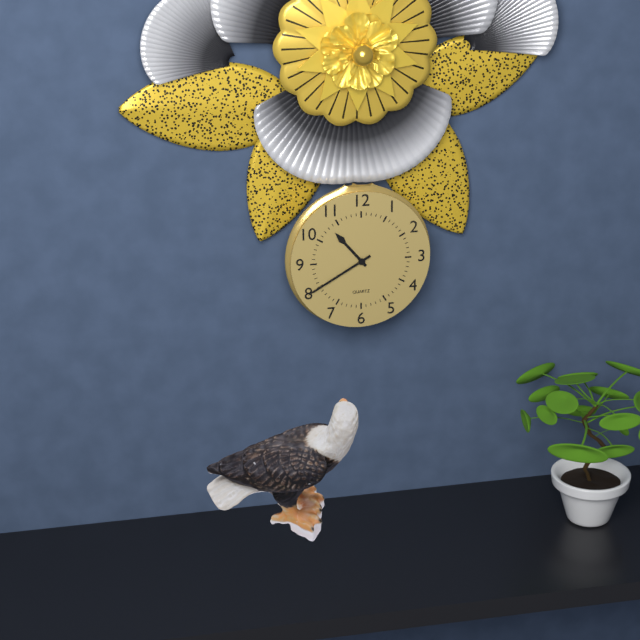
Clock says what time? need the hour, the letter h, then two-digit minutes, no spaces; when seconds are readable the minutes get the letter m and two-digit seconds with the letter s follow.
10h40
